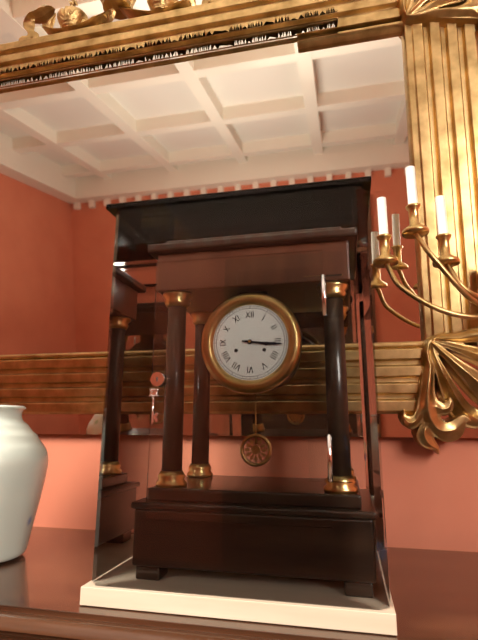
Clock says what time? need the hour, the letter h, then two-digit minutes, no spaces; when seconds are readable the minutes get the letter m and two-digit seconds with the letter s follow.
3h16
